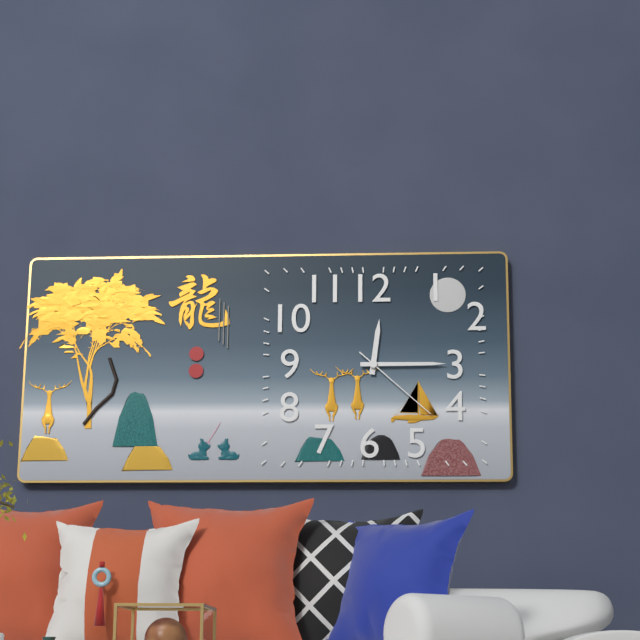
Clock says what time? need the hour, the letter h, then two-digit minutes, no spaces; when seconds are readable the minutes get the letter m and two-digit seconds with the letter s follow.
12h15m22s
